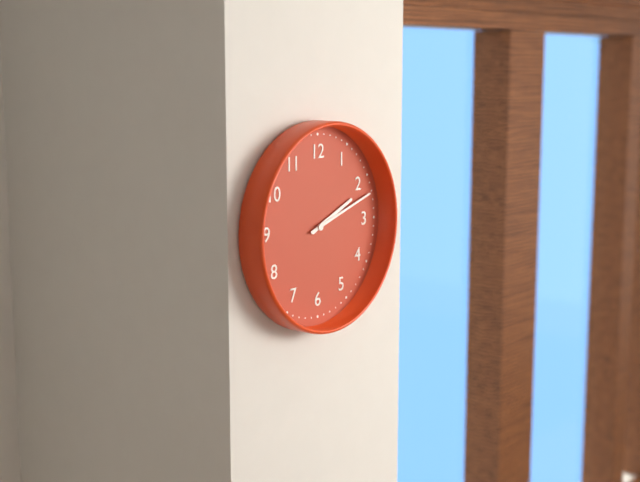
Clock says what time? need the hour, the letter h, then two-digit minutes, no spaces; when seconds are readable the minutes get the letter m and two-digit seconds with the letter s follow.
2h12
